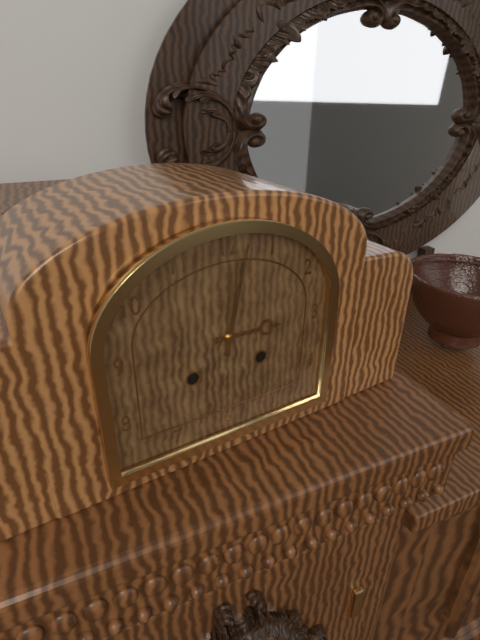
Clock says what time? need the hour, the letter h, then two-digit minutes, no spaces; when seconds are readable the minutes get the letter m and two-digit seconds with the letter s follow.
3h02
